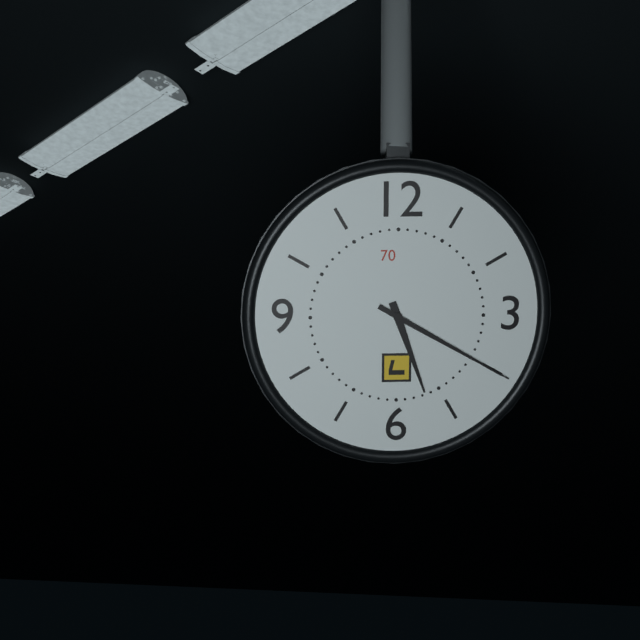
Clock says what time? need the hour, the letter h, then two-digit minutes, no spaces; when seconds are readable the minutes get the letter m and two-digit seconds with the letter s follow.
5h20
